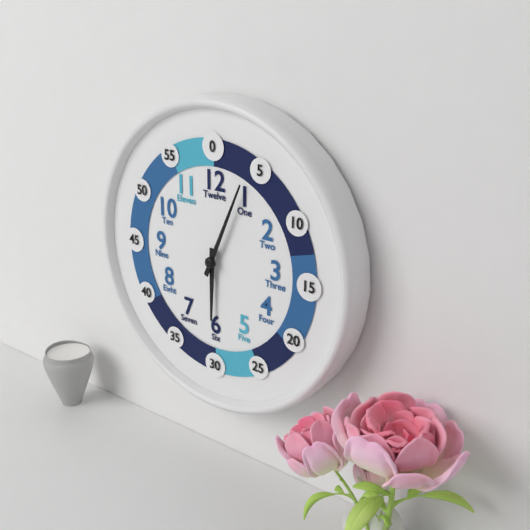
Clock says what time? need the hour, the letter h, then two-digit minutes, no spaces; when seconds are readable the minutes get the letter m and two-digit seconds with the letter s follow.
6h04
